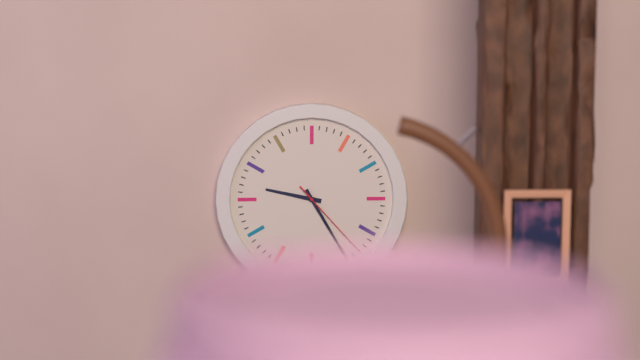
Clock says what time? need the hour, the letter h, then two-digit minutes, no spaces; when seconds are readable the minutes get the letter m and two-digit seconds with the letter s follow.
9h25m23s
